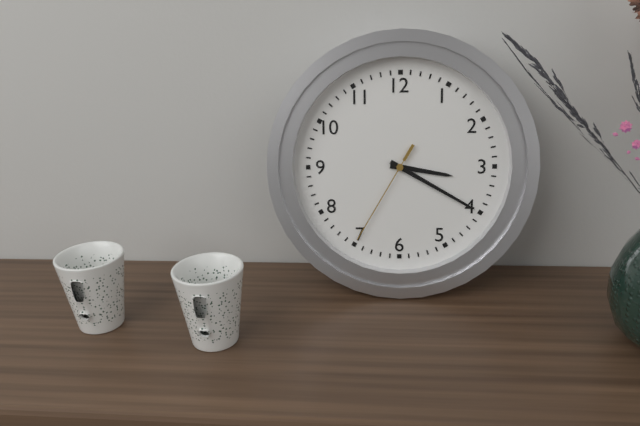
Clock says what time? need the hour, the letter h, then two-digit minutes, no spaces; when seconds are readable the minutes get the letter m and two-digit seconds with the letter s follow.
3h20m35s
